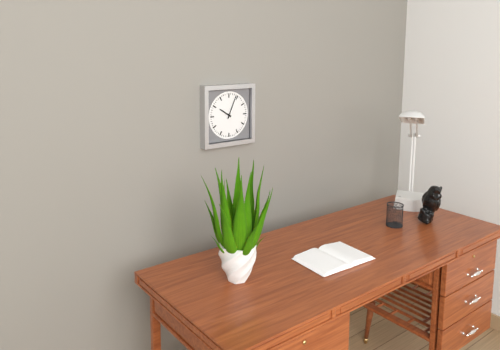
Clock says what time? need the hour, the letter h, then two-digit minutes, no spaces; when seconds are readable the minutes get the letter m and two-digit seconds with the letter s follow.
10h04
